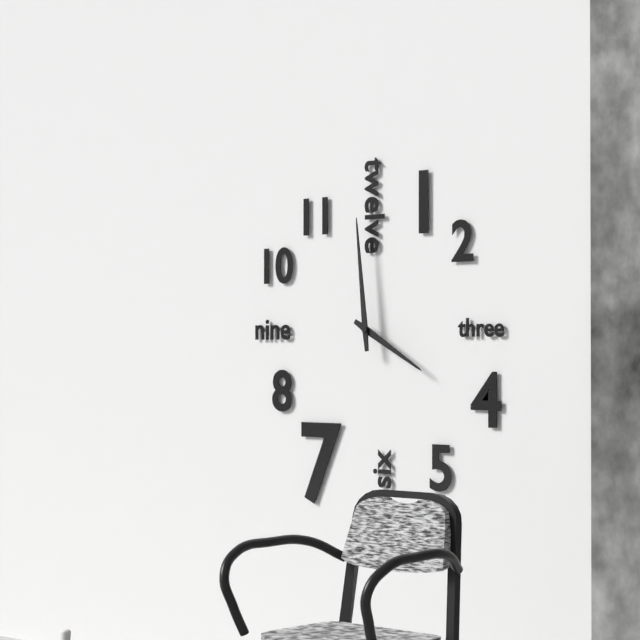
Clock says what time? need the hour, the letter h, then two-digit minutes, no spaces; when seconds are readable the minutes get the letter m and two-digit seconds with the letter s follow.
3h59
